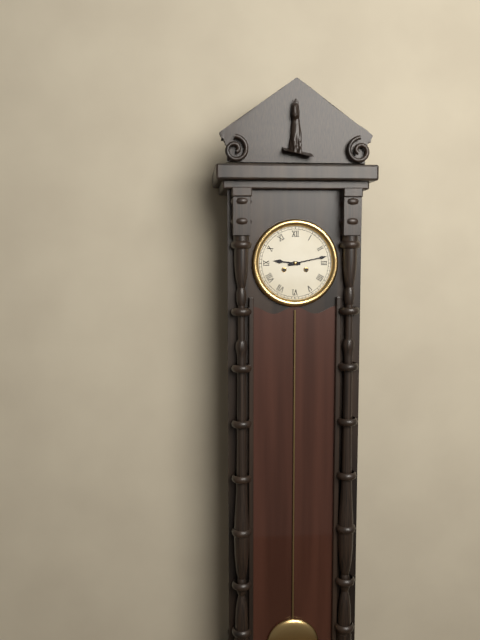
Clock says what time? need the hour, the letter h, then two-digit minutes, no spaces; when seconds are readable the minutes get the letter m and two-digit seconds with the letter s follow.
9h13
